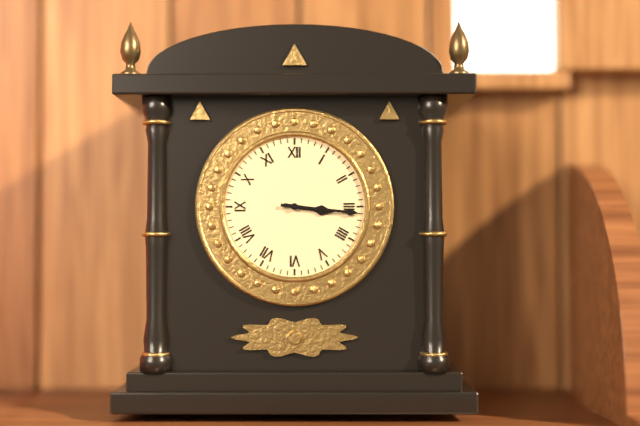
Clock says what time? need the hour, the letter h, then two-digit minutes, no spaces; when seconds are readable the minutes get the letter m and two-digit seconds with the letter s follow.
3h16
